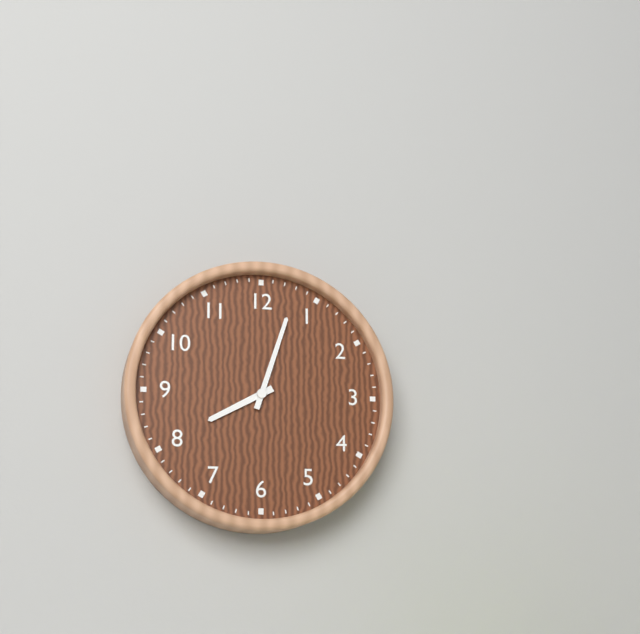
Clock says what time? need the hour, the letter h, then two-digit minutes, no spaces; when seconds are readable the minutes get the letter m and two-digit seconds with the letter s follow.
8h03
